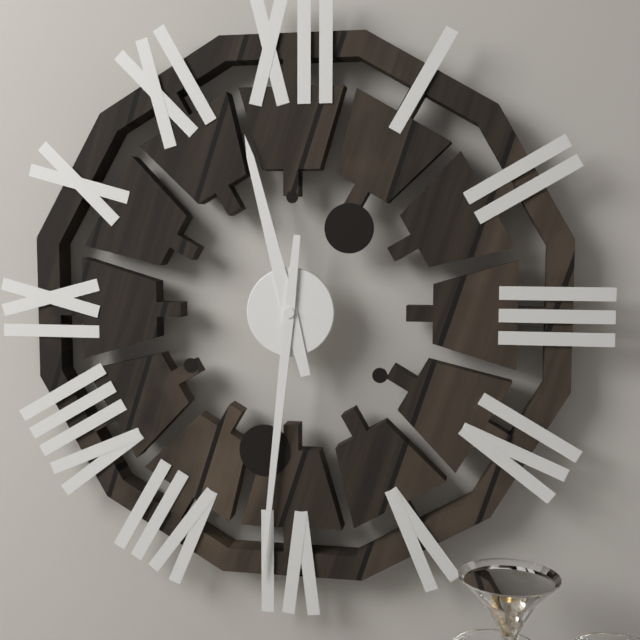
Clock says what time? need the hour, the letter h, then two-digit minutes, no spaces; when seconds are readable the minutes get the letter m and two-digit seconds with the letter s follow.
11h31
